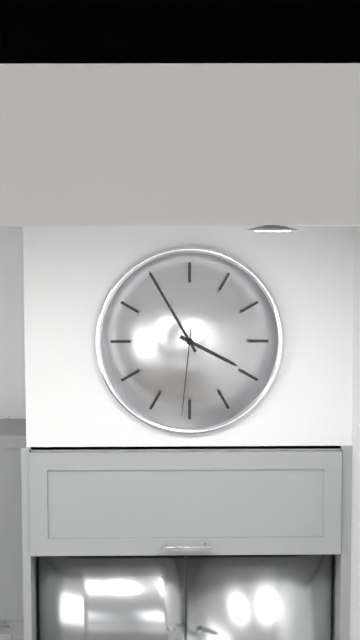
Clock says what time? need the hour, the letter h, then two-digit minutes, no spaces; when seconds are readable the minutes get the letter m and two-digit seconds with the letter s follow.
3h55m31s
